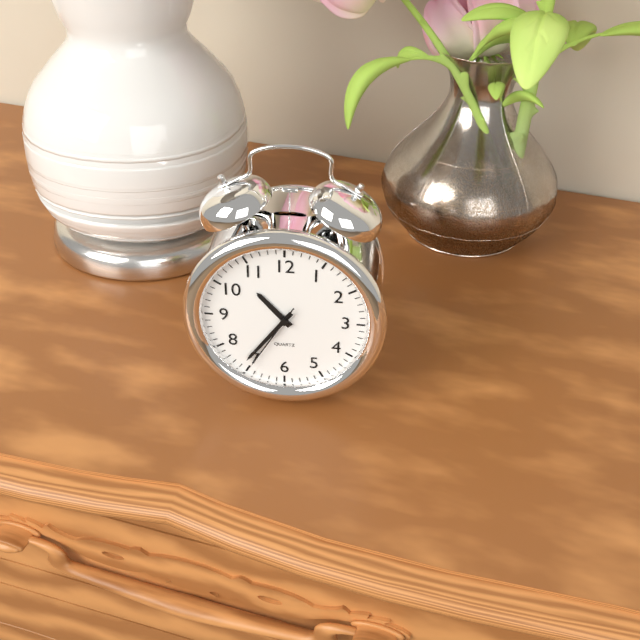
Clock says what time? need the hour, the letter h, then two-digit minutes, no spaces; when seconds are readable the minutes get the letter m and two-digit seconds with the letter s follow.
10h36m35s
